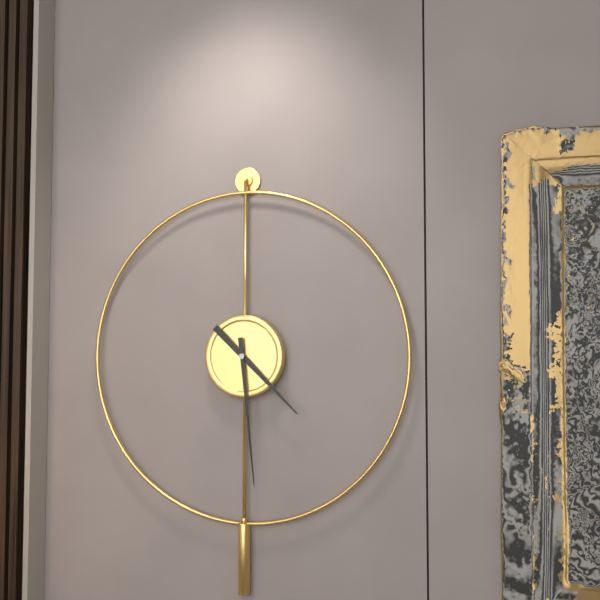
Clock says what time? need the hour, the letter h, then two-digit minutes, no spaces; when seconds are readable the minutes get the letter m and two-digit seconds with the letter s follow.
4h29
